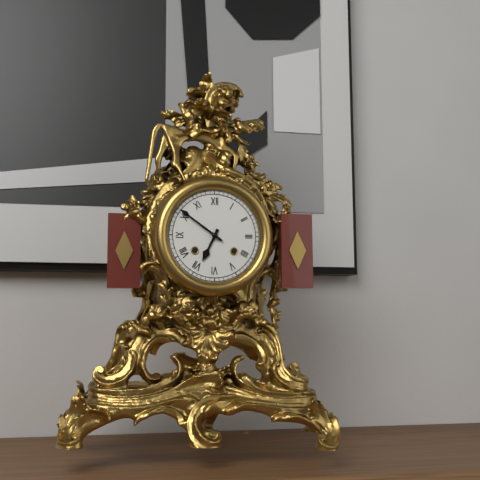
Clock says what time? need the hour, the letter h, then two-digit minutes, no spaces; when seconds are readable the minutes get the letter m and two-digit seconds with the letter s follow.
6h51
